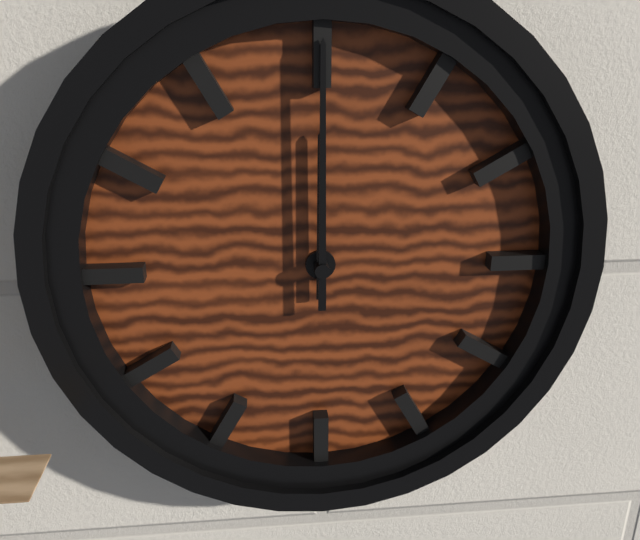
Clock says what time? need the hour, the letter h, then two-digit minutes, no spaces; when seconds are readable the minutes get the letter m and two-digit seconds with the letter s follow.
12h00
